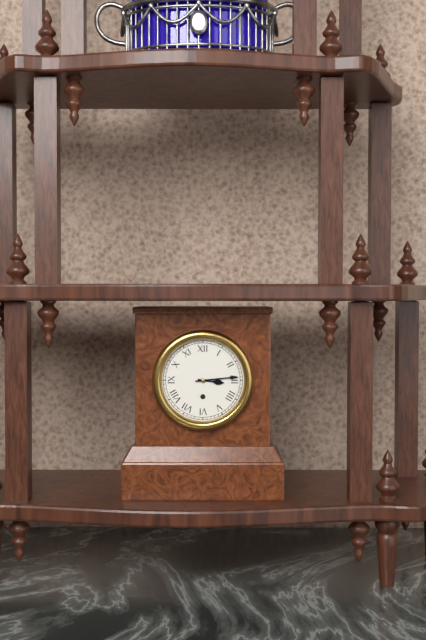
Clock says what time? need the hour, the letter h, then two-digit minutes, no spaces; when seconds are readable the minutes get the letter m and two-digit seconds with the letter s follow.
3h14
